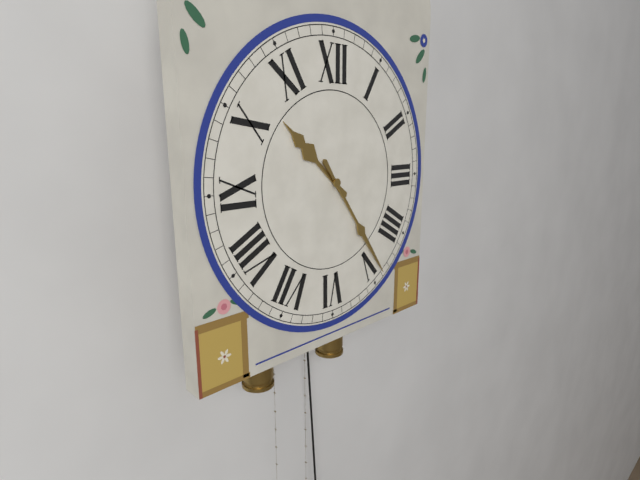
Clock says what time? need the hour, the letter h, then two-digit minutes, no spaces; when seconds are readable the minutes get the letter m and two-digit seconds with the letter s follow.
10h24
